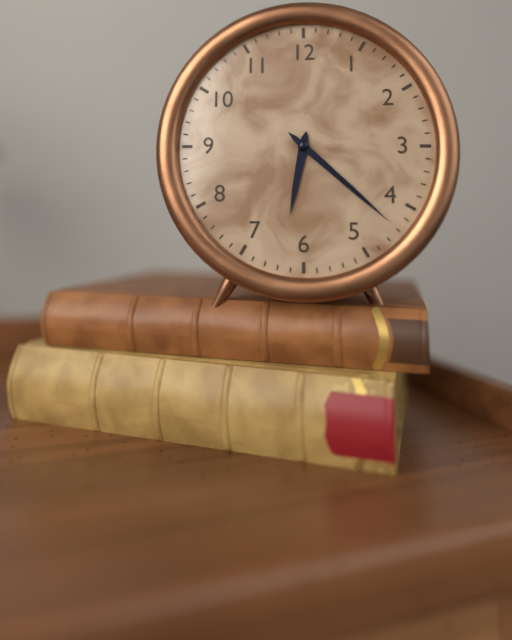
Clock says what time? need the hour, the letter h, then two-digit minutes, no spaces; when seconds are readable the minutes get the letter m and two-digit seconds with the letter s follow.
6h22
